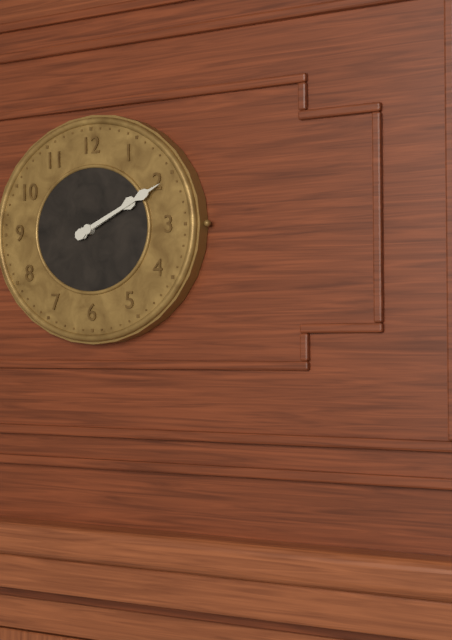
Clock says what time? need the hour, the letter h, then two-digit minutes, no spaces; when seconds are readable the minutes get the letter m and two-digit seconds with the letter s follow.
2h11
